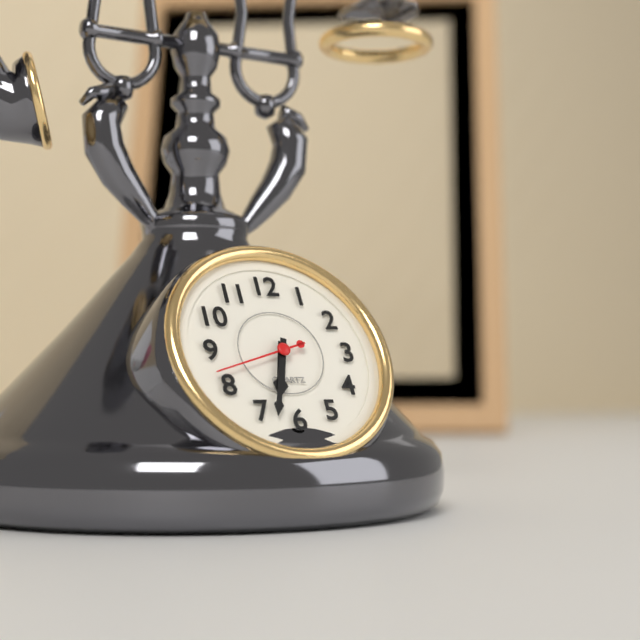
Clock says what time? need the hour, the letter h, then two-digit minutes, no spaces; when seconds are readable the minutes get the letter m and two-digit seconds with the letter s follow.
6h33m42s
